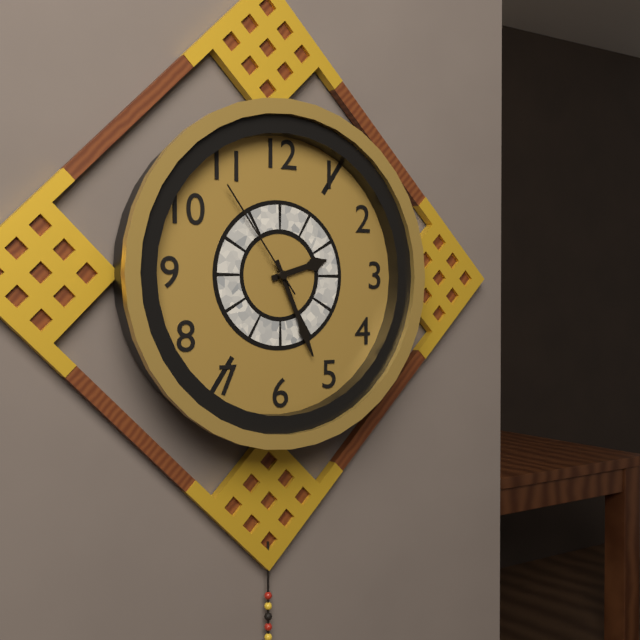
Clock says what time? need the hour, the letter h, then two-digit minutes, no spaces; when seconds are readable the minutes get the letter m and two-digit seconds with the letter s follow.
2h26m54s
